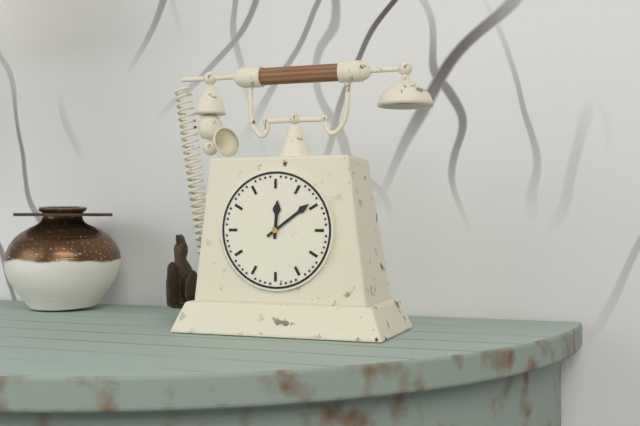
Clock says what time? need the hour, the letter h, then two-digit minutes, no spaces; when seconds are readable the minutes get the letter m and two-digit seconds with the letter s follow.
12h09
